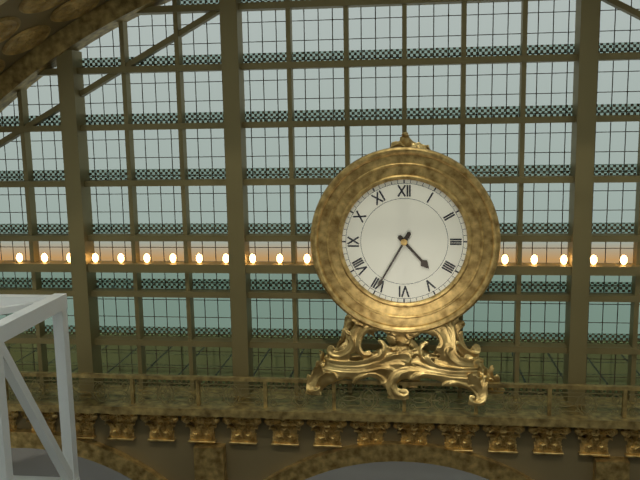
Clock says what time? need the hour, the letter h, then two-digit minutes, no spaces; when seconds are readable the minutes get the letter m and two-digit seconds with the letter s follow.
4h35
